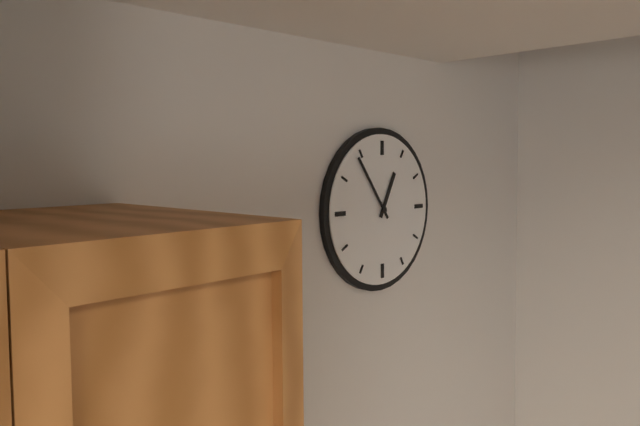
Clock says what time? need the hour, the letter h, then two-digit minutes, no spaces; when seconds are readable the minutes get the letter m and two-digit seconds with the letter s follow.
12h54
